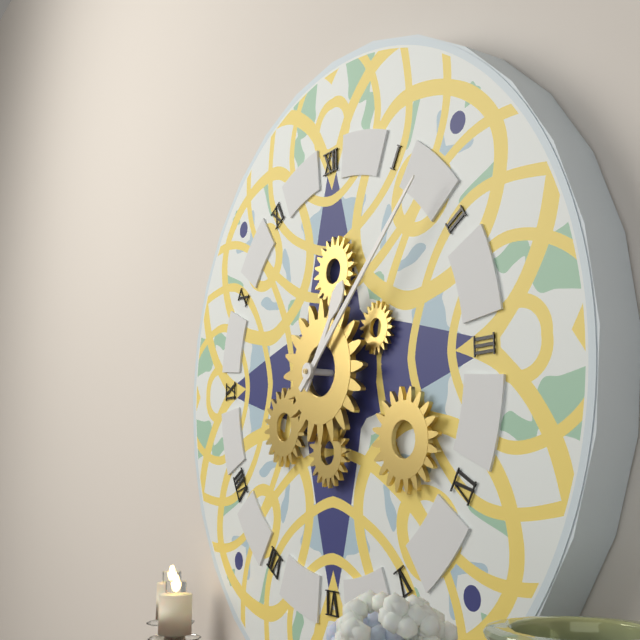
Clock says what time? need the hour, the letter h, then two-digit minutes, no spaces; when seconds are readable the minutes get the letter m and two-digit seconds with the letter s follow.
1h08
